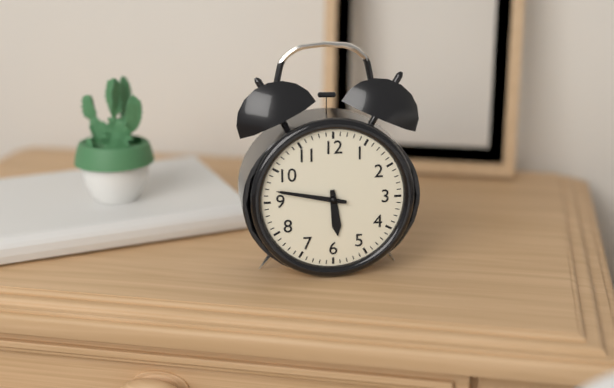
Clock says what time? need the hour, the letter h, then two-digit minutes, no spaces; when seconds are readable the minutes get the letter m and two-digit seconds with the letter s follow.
5h47
